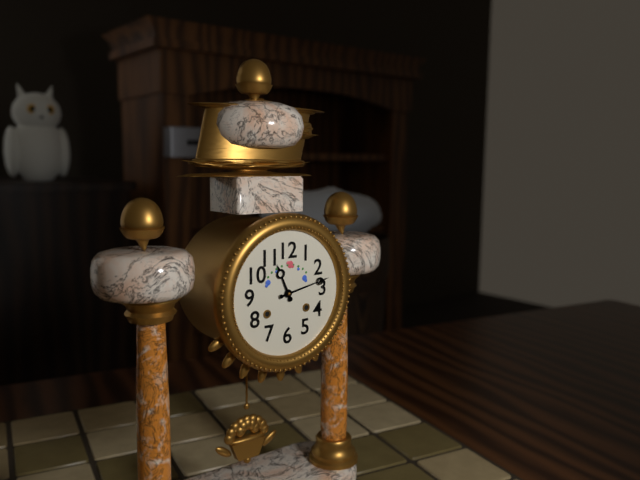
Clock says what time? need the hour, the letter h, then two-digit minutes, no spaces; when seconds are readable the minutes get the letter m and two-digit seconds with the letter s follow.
11h13
